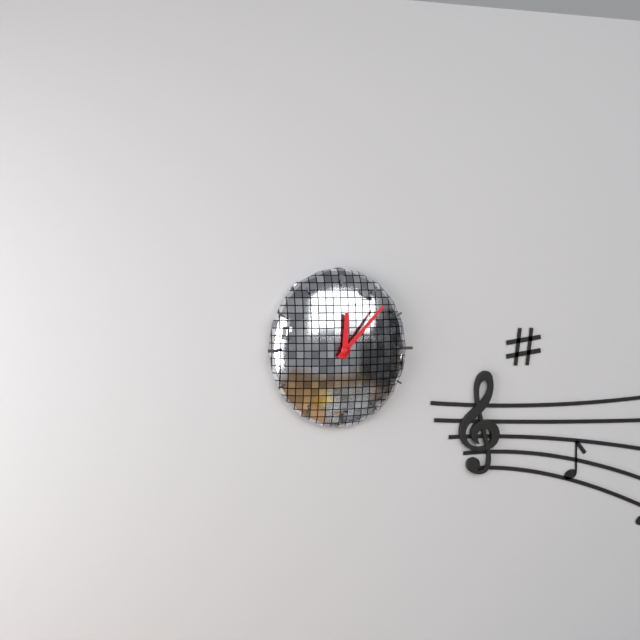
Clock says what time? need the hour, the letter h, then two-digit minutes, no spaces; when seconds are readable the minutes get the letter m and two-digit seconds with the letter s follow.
12h07
